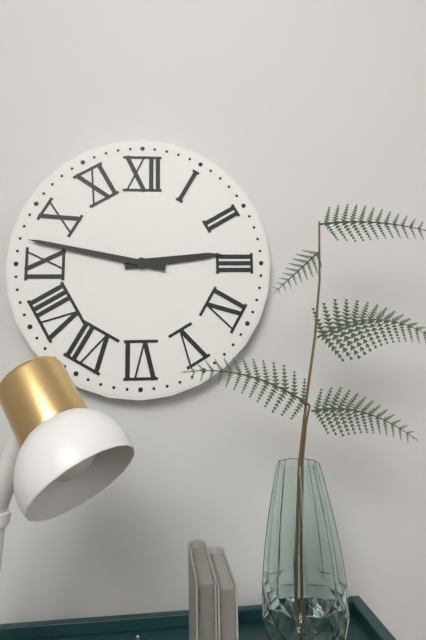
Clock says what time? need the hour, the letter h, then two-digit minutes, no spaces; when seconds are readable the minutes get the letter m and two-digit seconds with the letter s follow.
2h47
